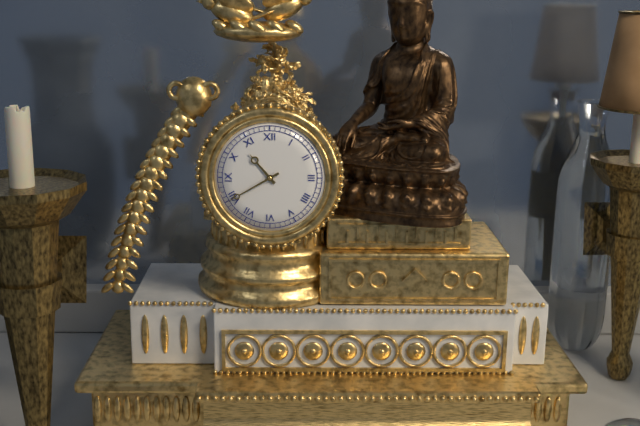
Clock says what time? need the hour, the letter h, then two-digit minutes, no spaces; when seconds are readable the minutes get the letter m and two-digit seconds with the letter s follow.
10h40
